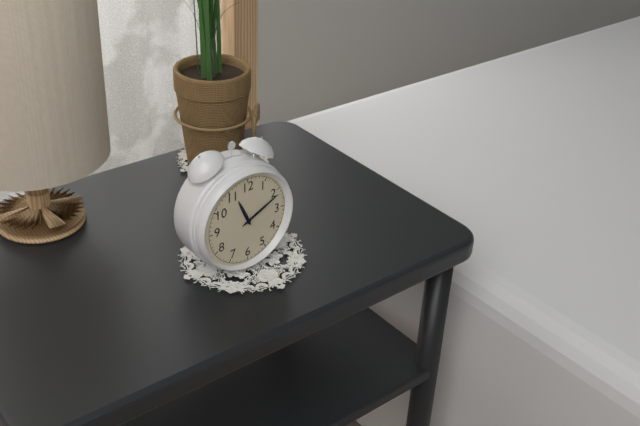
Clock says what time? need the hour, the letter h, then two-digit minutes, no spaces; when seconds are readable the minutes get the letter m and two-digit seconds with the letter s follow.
11h11
